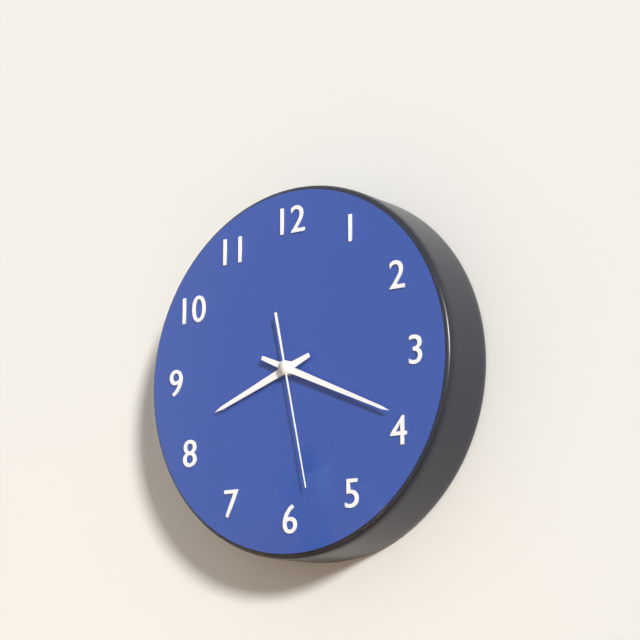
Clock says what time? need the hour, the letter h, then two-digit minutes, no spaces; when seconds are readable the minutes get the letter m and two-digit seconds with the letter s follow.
8h19m28s
